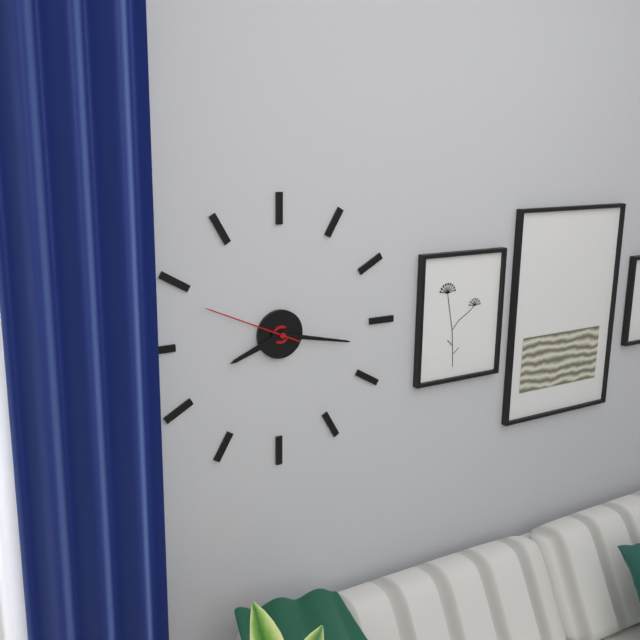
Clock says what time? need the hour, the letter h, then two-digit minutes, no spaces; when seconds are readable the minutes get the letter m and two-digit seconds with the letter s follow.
8h17m49s
